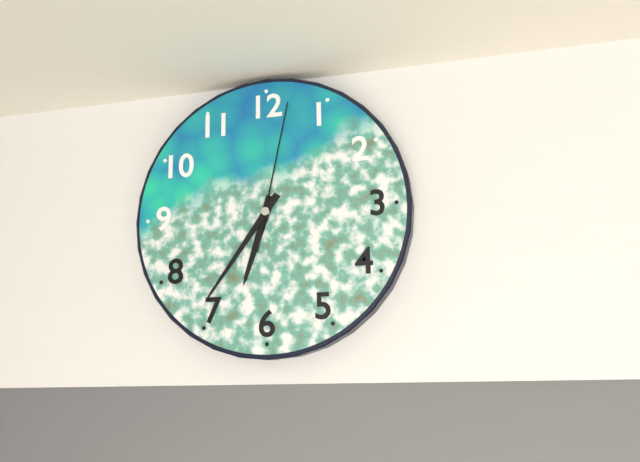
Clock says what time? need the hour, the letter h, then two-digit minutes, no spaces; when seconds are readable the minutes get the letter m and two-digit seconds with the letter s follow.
6h36m02s
